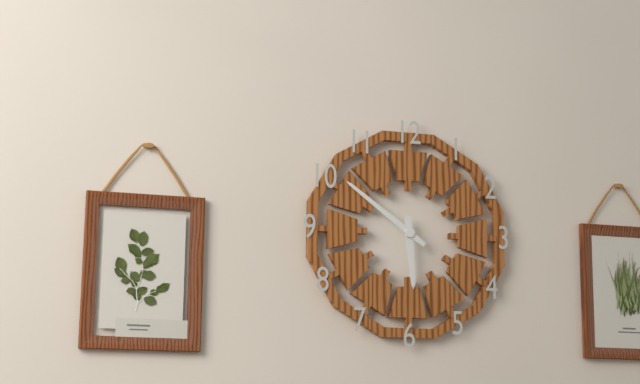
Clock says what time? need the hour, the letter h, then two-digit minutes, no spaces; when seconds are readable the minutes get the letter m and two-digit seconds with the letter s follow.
5h51
